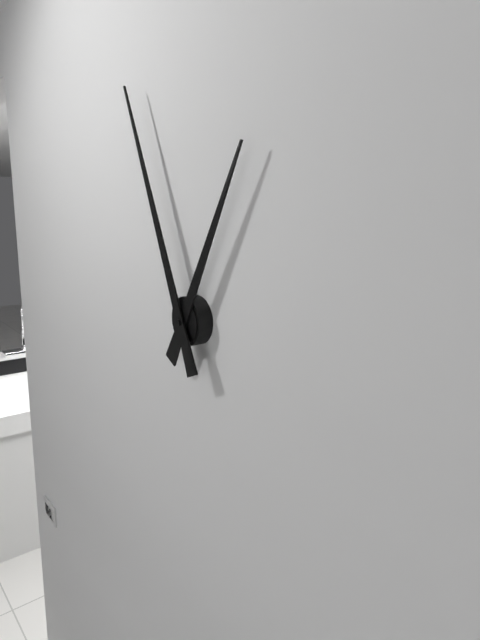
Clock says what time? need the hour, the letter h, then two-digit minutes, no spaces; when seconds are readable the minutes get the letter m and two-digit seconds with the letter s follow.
12h56
